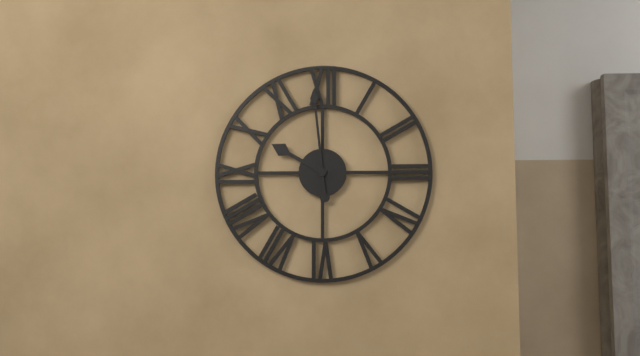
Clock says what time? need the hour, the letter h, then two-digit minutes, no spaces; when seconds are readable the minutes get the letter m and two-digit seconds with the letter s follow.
9h59
